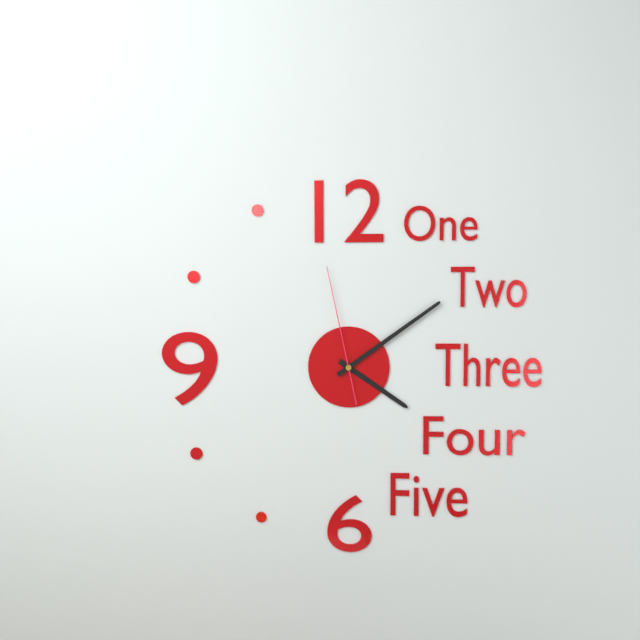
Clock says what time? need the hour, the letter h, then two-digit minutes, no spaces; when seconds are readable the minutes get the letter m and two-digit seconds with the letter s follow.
4h09m58s
